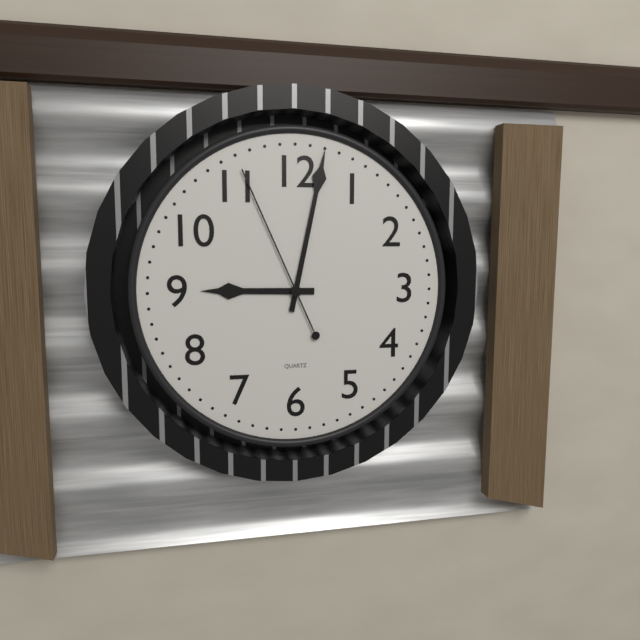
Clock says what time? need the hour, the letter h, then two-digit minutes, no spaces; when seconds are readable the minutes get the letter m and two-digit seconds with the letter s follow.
9h02m56s
